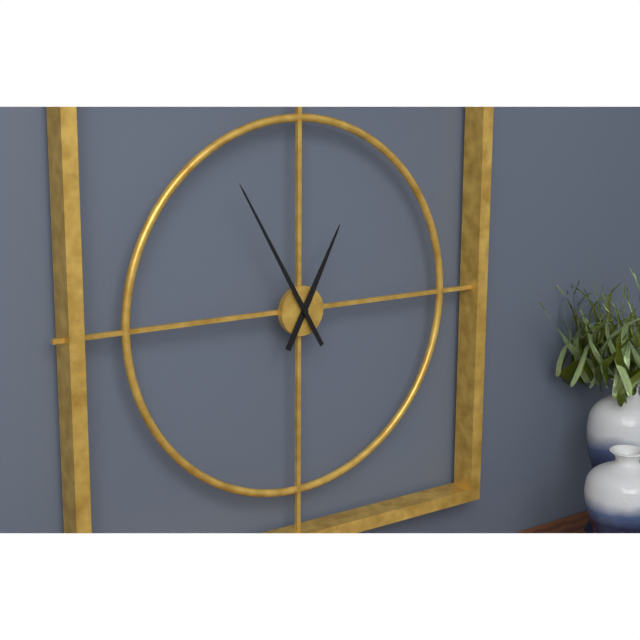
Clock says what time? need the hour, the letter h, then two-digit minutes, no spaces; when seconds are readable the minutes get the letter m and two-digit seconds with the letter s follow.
12h55
